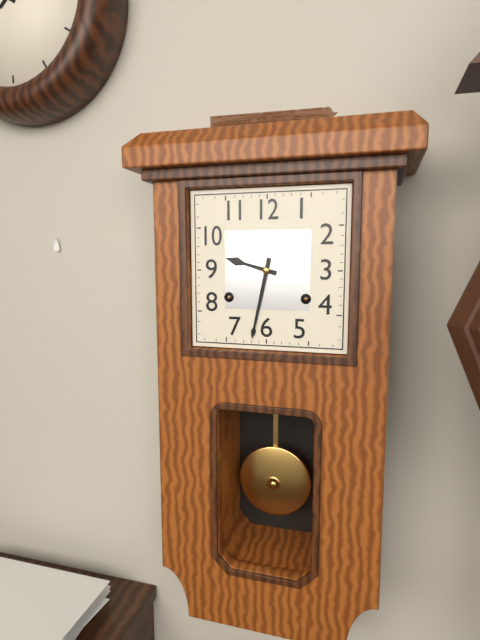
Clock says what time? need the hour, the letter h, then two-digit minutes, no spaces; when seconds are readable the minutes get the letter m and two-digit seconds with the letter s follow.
9h32
